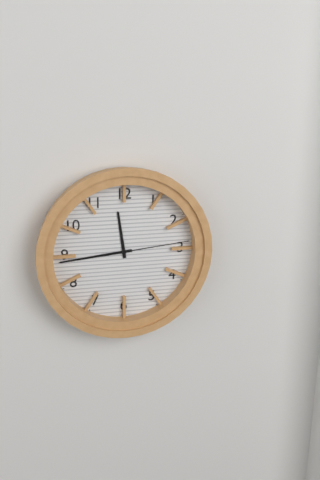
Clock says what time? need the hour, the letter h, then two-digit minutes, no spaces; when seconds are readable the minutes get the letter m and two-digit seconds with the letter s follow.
11h44m14s
